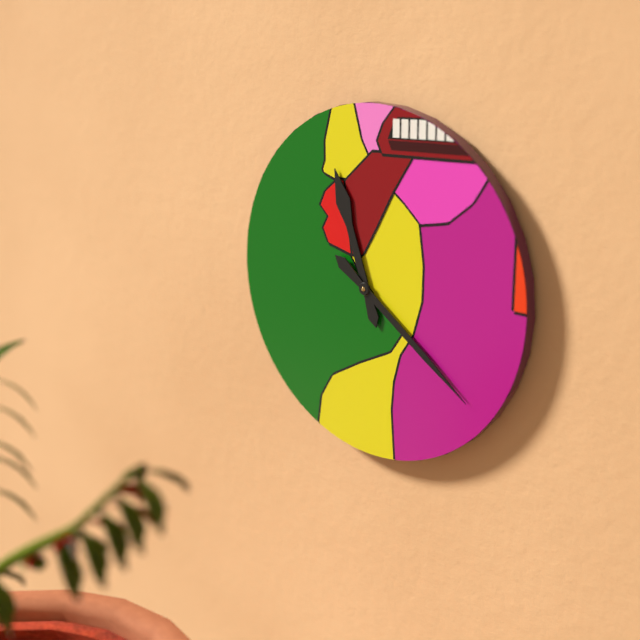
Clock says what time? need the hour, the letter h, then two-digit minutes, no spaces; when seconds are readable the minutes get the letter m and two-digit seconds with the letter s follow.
11h21
